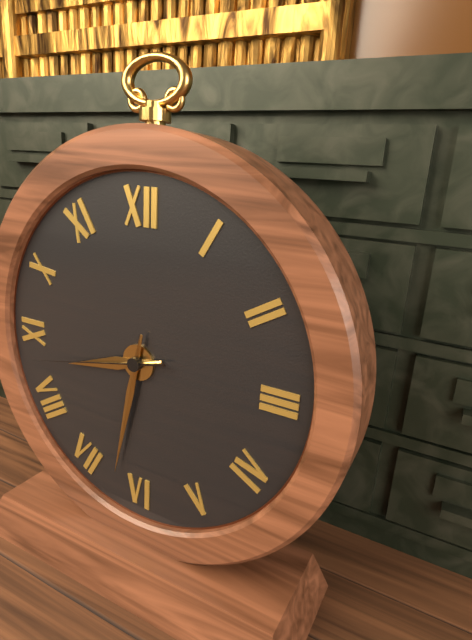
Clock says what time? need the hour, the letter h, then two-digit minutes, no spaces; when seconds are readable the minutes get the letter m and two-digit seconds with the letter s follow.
8h32m43s
